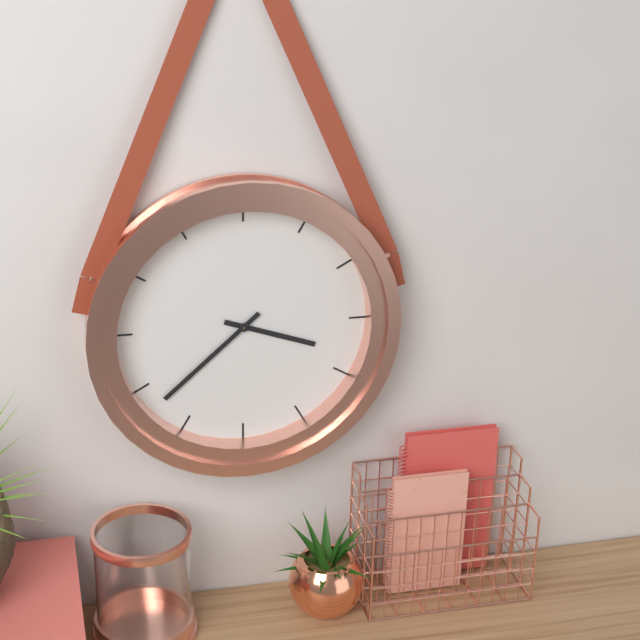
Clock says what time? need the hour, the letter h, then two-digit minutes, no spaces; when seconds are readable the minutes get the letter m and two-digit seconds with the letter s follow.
3h38
